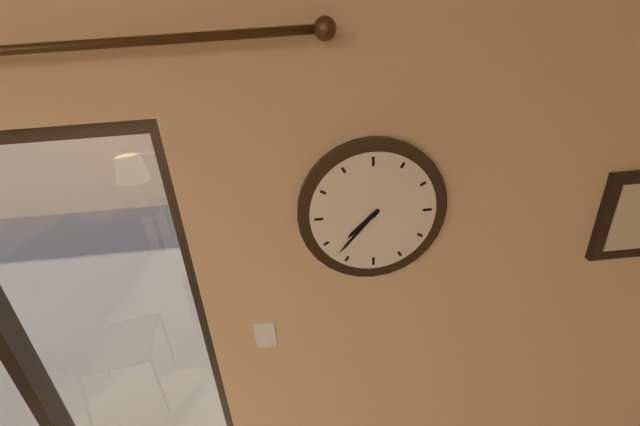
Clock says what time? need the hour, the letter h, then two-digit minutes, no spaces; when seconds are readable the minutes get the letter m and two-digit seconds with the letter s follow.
7h37
